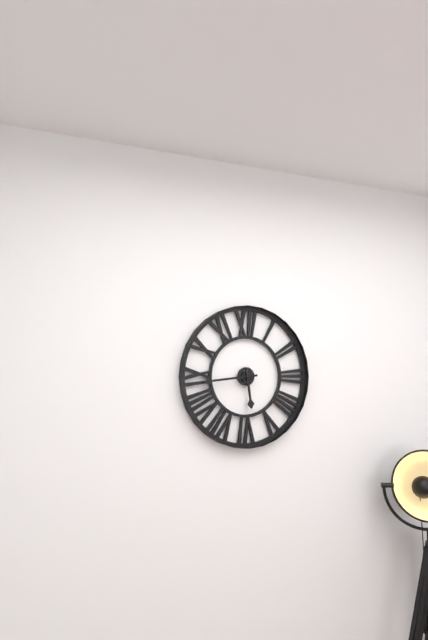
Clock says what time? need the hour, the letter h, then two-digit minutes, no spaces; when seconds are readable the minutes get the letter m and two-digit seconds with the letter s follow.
5h44
